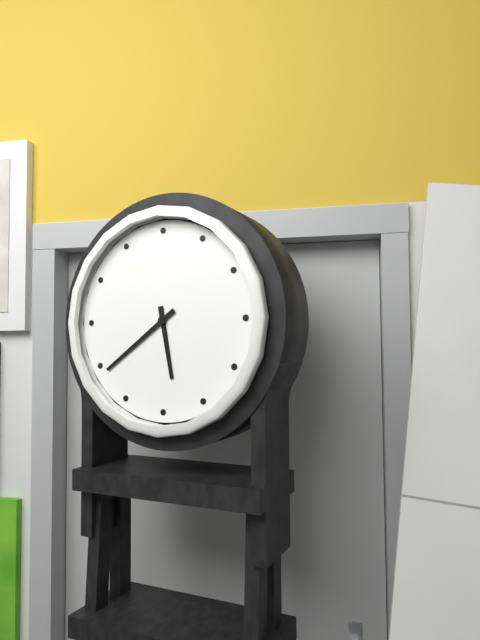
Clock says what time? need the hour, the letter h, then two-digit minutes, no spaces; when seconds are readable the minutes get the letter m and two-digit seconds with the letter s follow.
5h39
